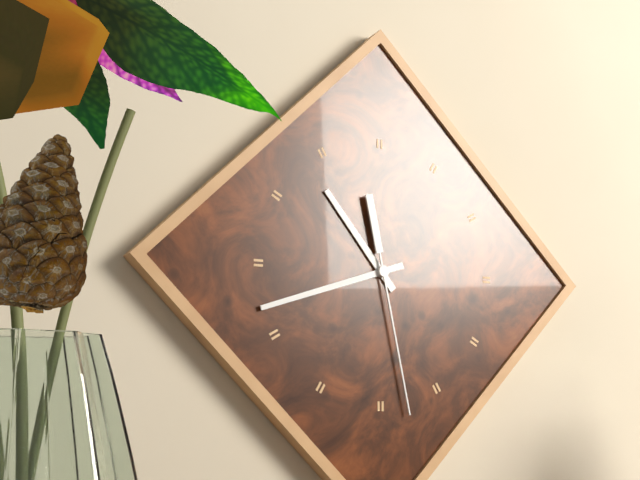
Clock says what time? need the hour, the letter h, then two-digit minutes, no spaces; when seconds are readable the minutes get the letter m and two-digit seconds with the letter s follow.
10h42m28s
